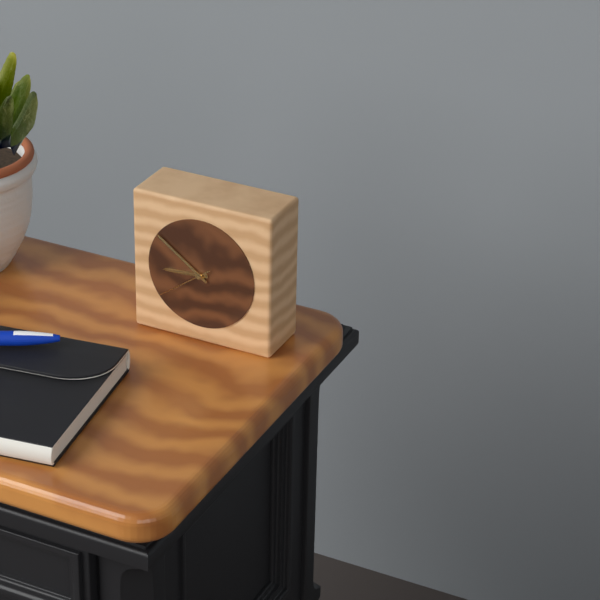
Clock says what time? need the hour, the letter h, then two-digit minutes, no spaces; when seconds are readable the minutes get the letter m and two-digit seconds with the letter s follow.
8h51m39s
